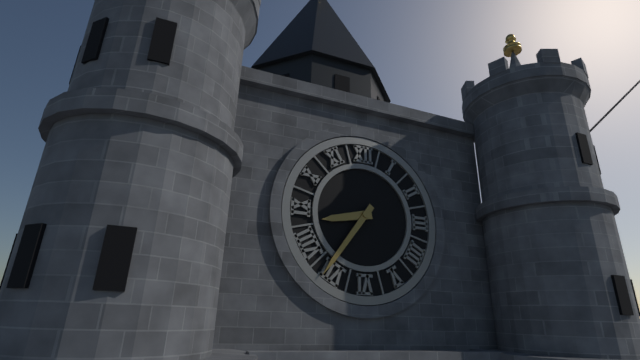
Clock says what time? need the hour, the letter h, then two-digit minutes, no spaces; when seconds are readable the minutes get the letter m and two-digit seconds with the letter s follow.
8h36
